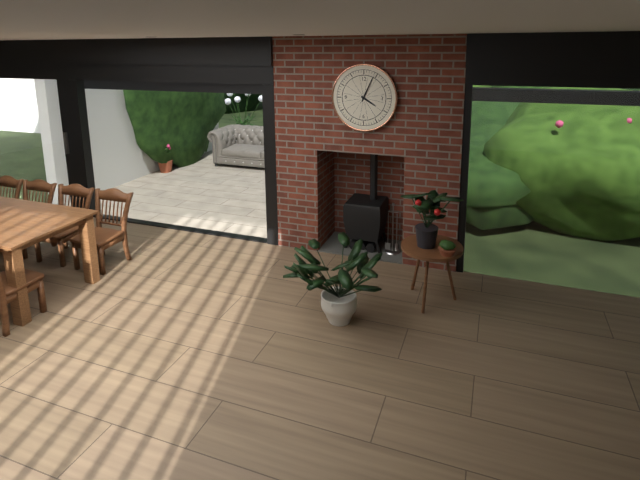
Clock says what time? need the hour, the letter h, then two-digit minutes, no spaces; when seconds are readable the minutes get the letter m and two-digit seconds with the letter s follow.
4h04
